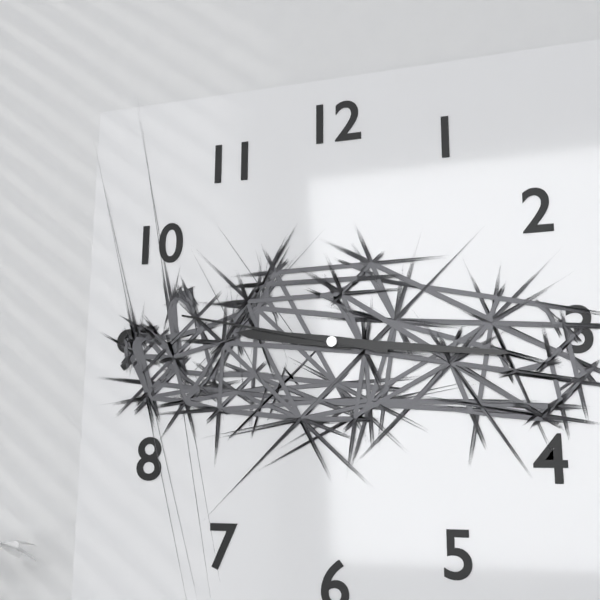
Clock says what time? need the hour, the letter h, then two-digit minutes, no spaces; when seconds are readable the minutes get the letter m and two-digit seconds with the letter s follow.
9h16m47s
